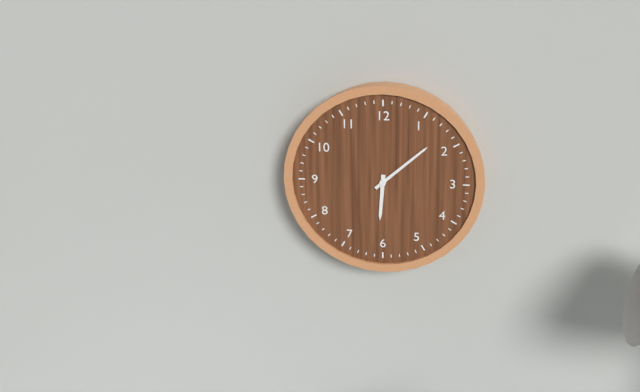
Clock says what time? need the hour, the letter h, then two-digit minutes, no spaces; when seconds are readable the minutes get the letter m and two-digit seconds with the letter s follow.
6h08
